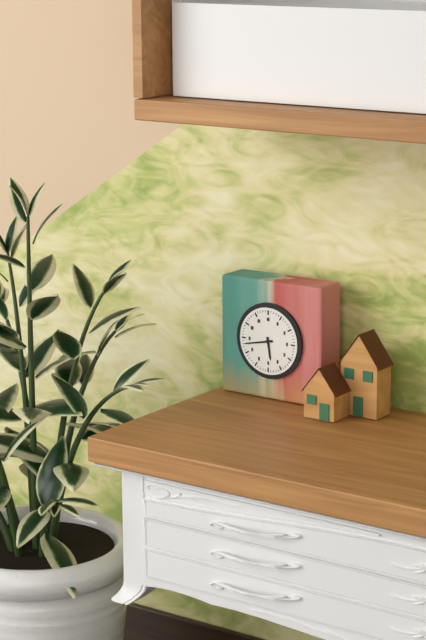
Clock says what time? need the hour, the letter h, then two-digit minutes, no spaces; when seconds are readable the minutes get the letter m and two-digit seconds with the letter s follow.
5h43
